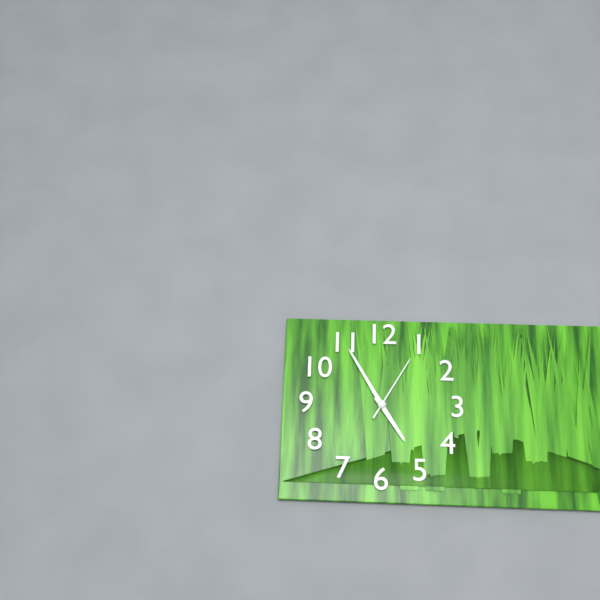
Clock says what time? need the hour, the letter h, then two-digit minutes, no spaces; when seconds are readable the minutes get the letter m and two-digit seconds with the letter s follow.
4h55m05s
